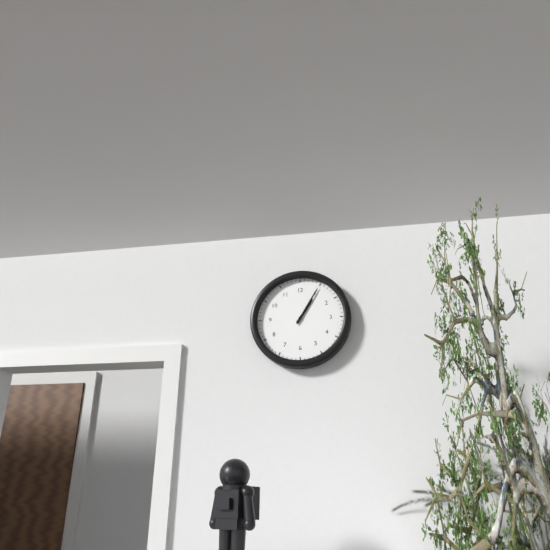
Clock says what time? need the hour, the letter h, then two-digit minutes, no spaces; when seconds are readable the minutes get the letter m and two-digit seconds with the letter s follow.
1h05
